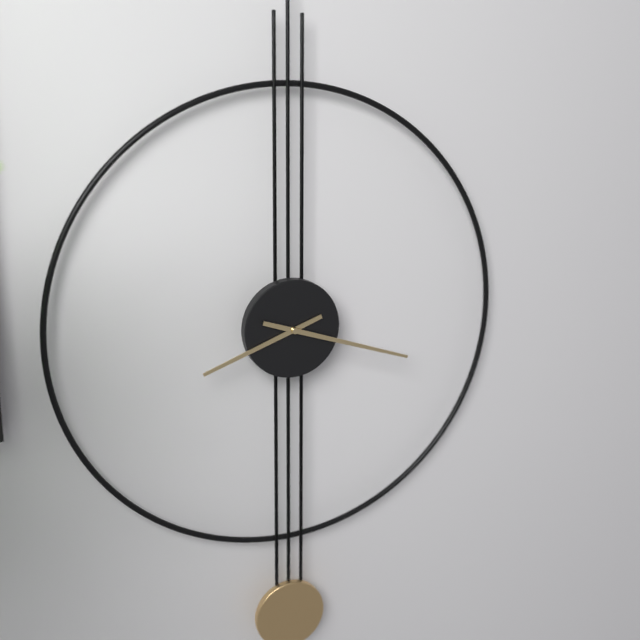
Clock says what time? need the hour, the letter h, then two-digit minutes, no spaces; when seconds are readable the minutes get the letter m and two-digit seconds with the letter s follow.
8h18
